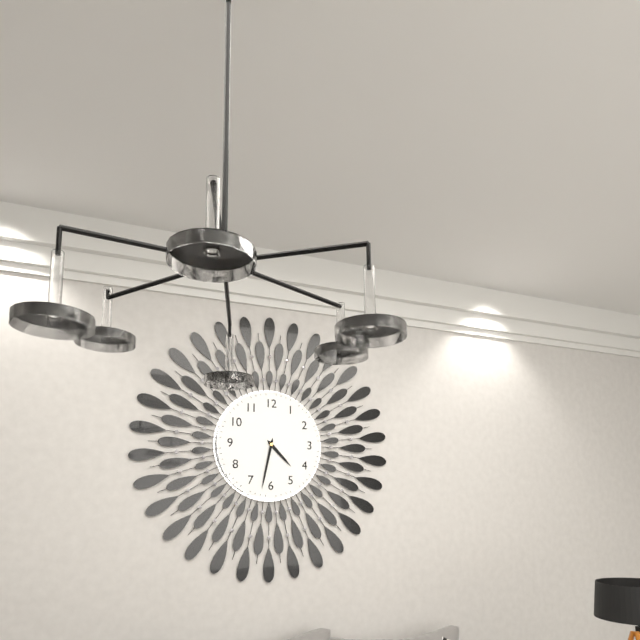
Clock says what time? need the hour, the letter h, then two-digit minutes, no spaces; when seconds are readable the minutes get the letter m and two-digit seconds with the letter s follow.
4h32
